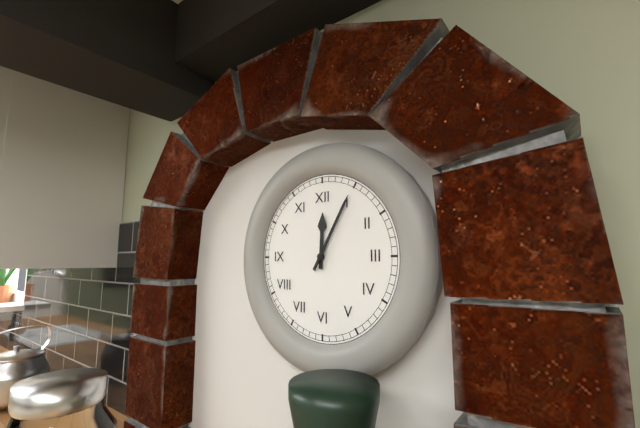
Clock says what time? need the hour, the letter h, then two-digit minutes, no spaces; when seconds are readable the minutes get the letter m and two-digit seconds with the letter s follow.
12h05
